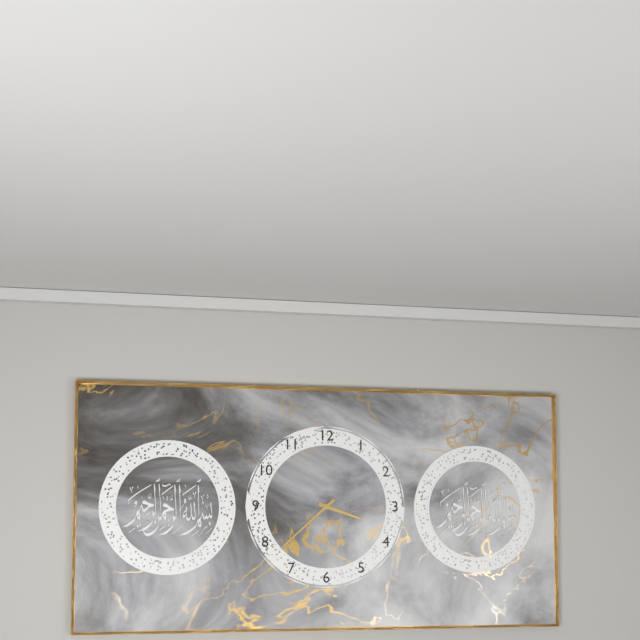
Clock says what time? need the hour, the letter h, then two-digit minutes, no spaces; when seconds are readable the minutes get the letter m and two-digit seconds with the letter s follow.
3h38
